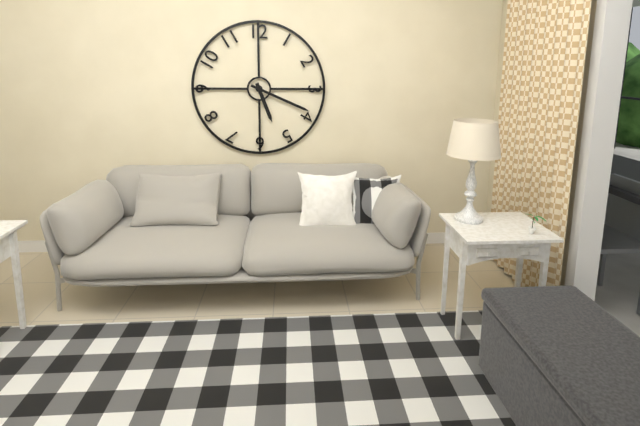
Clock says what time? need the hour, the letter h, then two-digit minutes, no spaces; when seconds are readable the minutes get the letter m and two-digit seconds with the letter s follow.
5h19
